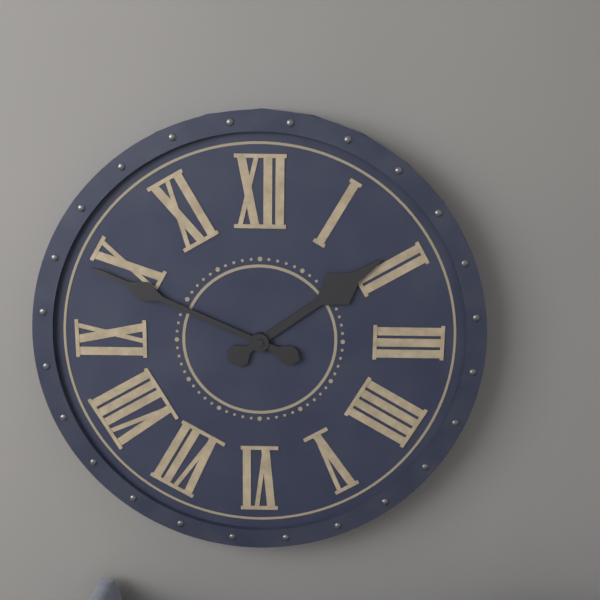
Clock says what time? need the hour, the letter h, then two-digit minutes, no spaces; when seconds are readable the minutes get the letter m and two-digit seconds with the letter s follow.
1h49
